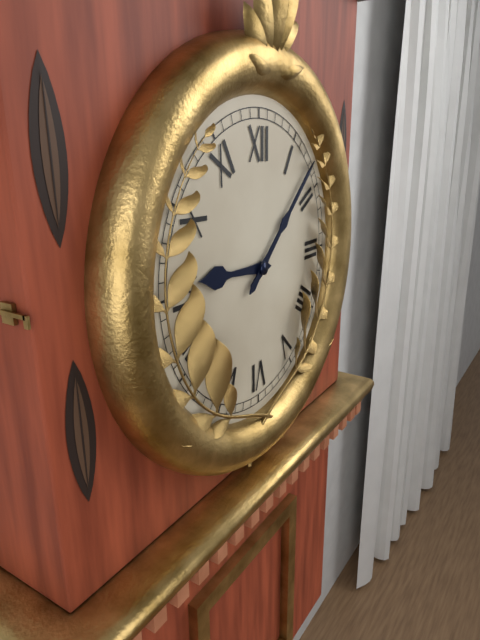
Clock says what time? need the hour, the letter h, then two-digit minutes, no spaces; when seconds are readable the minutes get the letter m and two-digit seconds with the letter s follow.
9h08
